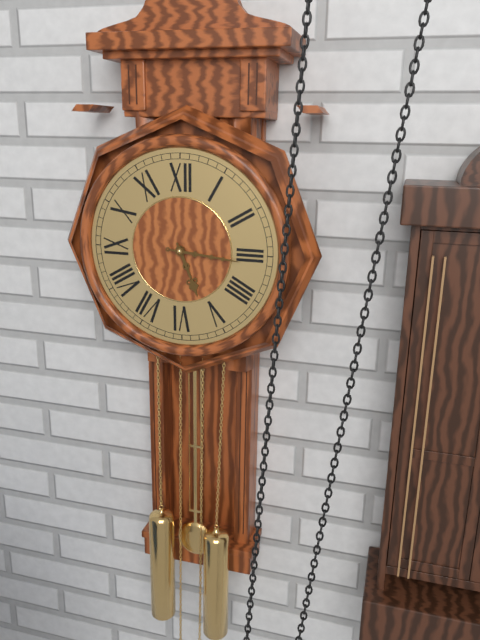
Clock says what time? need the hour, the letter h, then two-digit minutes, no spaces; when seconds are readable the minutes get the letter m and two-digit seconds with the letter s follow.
5h16
